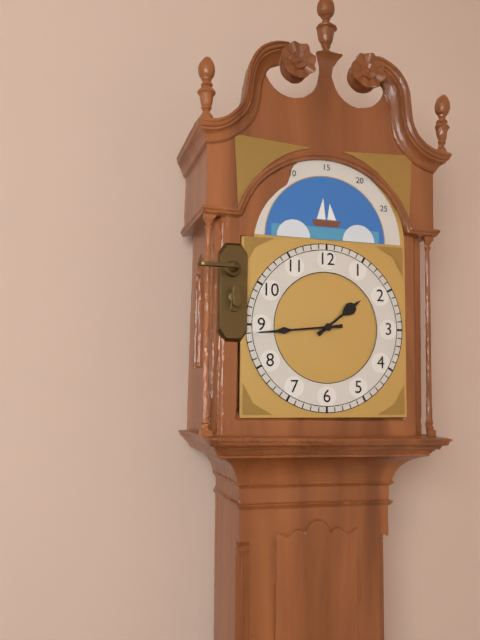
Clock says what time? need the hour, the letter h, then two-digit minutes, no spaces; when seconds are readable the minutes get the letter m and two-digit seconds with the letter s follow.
1h44
